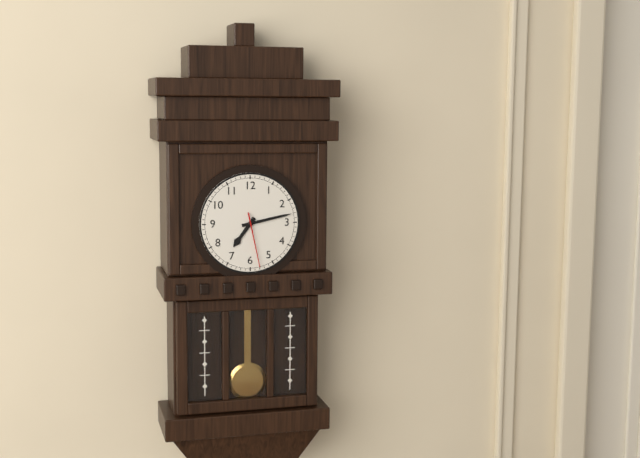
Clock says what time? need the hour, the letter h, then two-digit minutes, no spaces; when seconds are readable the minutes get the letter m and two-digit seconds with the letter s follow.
7h13m28s
